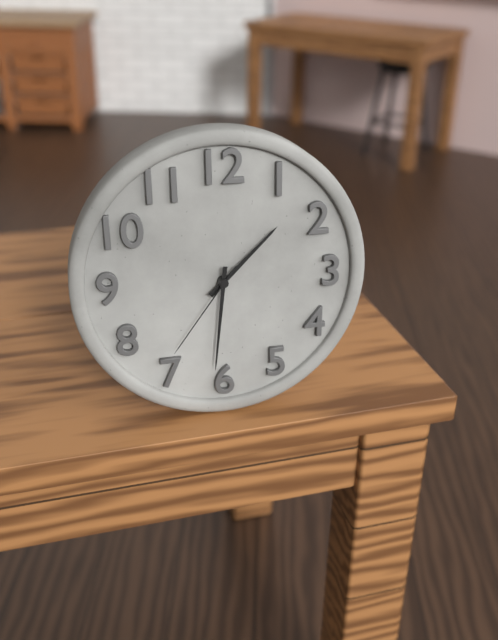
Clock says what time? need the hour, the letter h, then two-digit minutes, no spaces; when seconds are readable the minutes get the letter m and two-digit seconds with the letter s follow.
1h31m36s
